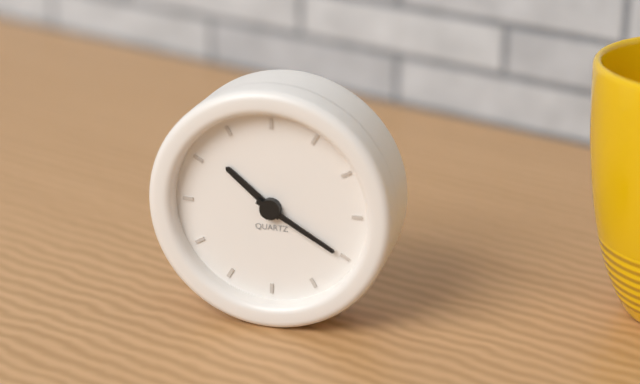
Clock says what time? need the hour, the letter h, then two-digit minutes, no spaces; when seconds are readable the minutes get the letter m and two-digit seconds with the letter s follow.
10h20
